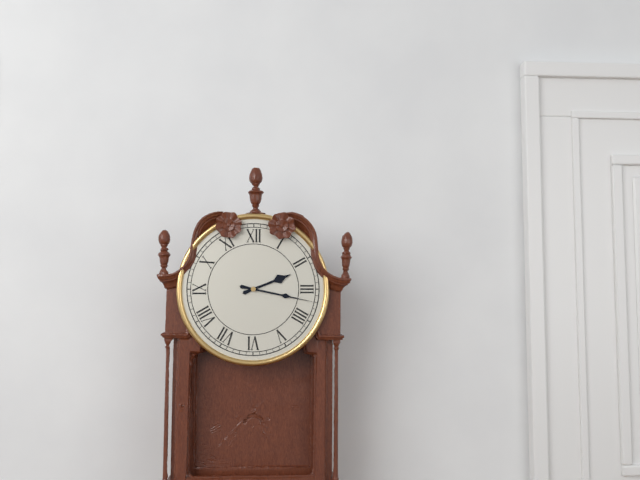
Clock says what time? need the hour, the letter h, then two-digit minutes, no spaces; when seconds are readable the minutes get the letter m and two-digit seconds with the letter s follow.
2h17
